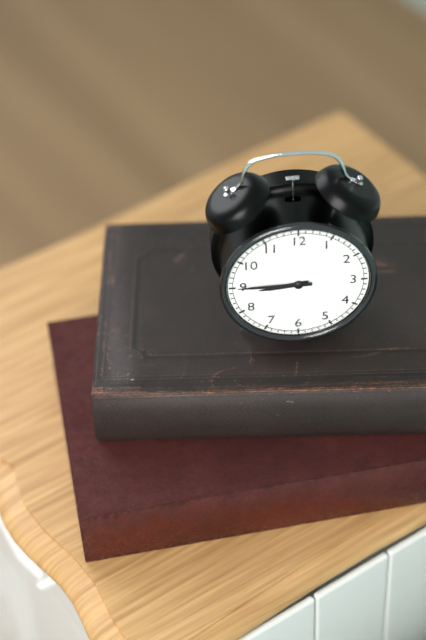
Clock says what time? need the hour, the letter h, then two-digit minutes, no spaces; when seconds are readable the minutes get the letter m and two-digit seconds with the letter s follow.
8h45
